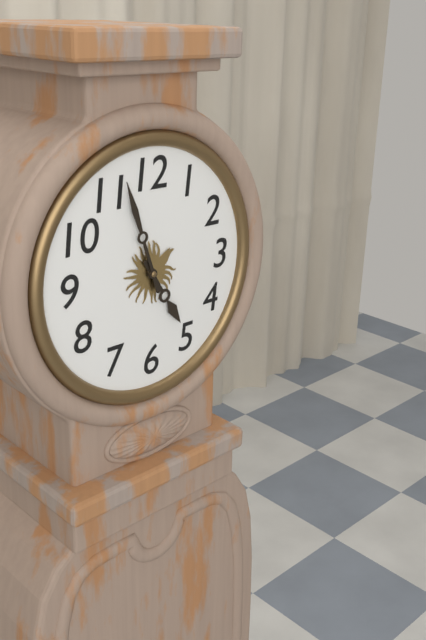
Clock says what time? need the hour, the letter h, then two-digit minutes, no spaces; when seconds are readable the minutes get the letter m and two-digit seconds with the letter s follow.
4h57
